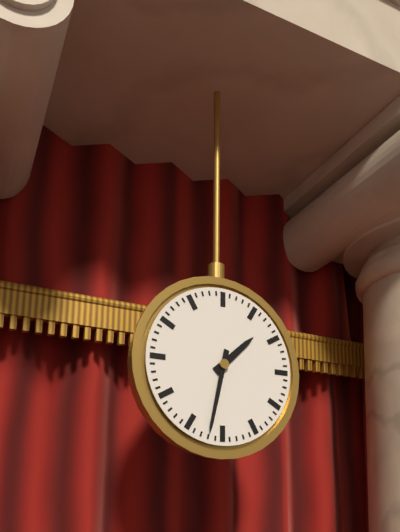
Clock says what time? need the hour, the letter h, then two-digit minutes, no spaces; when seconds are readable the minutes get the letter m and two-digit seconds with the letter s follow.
1h32
